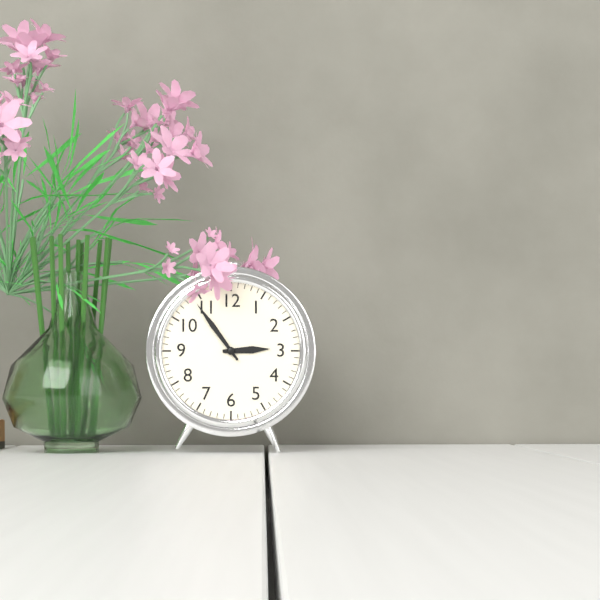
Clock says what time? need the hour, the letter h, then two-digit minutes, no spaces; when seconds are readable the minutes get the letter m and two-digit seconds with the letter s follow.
2h54
